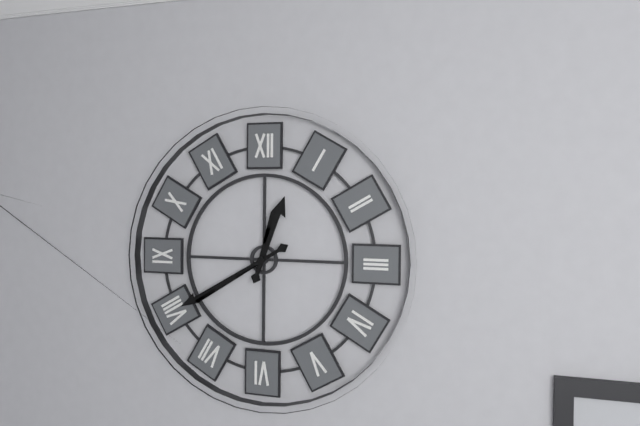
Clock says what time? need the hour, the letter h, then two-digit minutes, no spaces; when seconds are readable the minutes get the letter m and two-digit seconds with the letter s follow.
12h40
